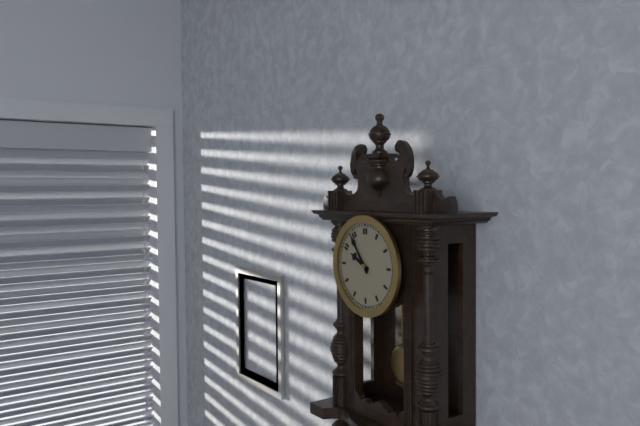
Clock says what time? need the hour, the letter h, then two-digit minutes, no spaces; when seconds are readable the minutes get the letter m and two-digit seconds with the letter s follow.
9h54
